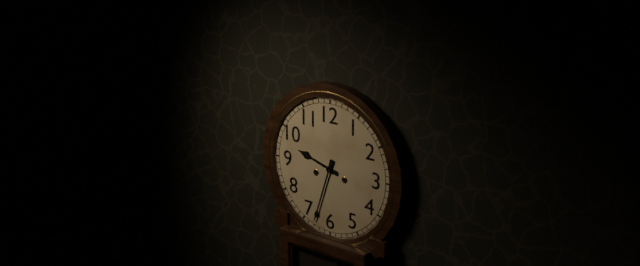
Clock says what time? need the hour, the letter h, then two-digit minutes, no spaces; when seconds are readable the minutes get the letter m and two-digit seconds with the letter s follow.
9h33
